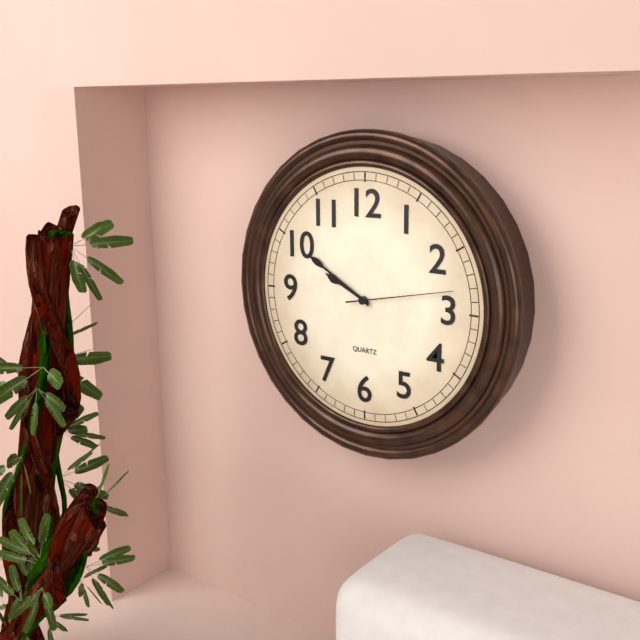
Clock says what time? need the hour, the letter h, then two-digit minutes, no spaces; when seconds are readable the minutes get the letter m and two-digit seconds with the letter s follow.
9h50m13s
